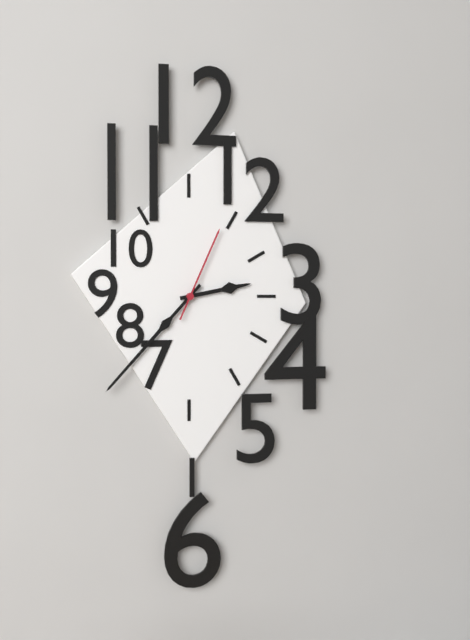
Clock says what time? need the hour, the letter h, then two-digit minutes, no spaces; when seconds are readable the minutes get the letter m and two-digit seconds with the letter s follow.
2h37m04s
